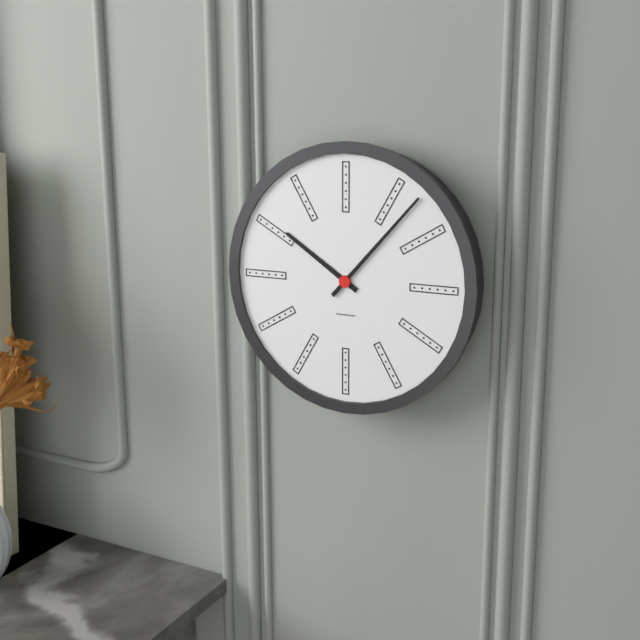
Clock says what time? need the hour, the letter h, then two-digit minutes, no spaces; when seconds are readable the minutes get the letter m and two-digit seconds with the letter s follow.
10h07
